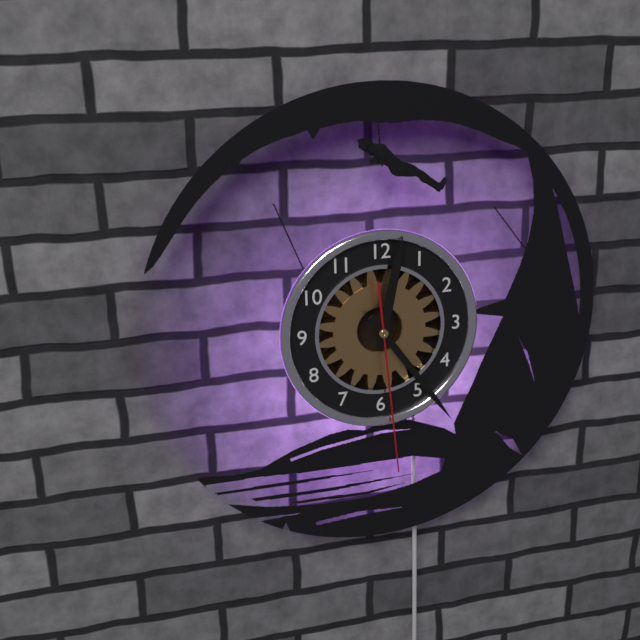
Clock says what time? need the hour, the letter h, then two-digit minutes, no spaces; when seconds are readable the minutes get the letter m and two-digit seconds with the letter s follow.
12h24m29s
